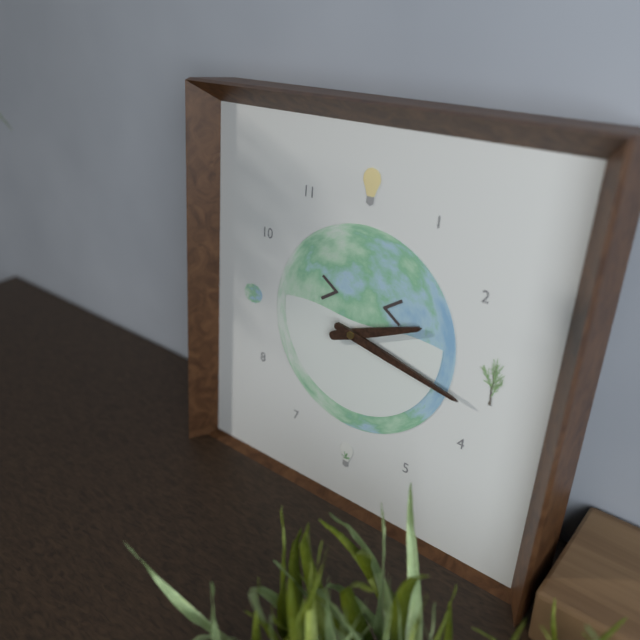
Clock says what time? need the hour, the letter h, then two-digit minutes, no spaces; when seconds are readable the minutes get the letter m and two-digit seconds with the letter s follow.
2h17
